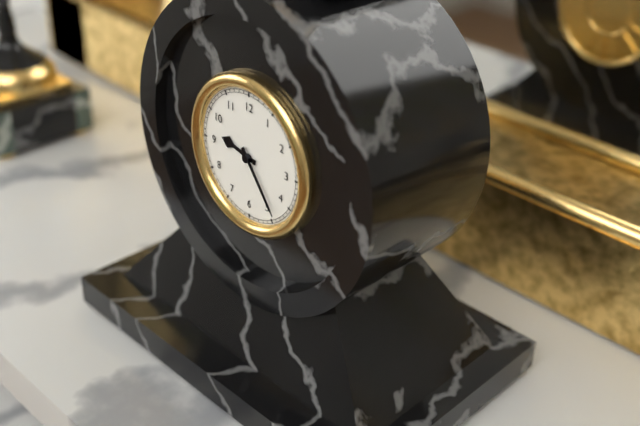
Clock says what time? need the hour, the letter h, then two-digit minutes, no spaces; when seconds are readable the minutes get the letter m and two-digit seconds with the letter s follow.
9h24
